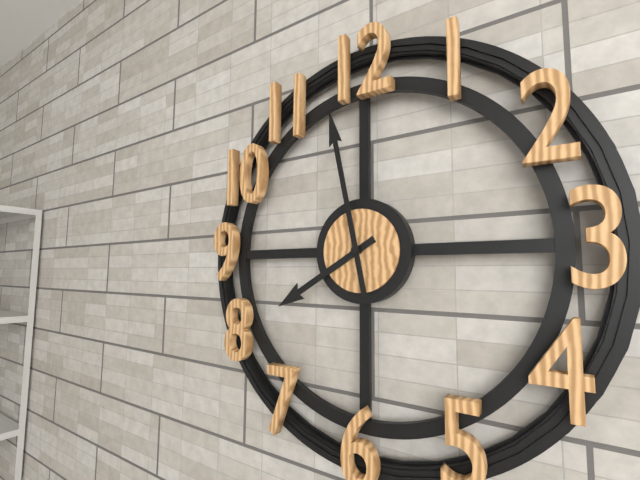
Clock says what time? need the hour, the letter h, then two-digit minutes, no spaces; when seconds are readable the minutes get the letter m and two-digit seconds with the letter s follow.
7h58
